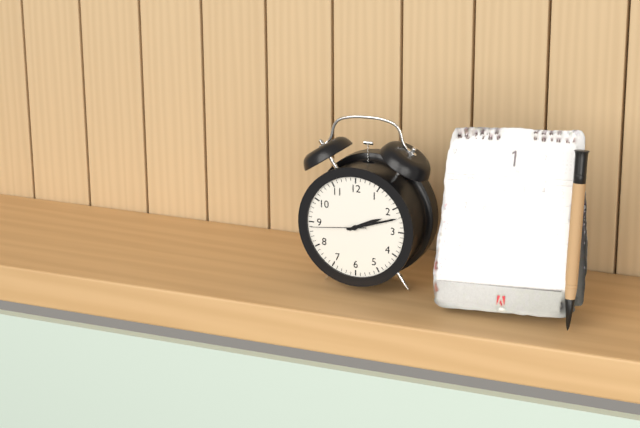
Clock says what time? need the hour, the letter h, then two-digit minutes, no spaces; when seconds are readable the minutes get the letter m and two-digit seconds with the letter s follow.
2h12m44s
